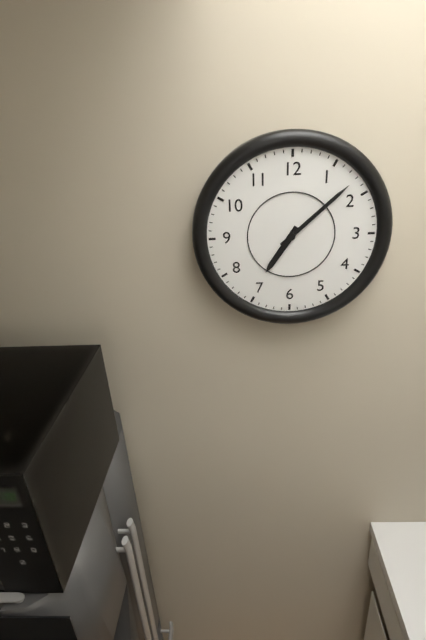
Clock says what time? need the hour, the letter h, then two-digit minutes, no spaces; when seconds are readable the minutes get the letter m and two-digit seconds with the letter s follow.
7h08
